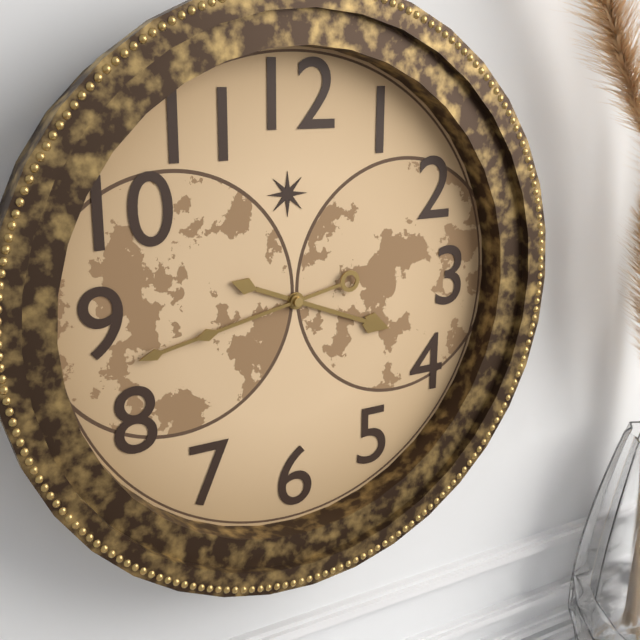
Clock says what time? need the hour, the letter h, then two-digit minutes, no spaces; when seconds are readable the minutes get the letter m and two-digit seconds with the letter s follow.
3h43
